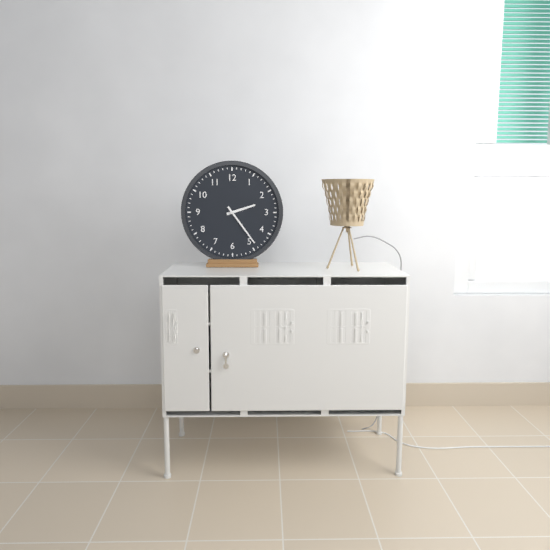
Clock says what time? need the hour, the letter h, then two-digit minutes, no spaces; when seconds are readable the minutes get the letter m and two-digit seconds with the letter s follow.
2h24
